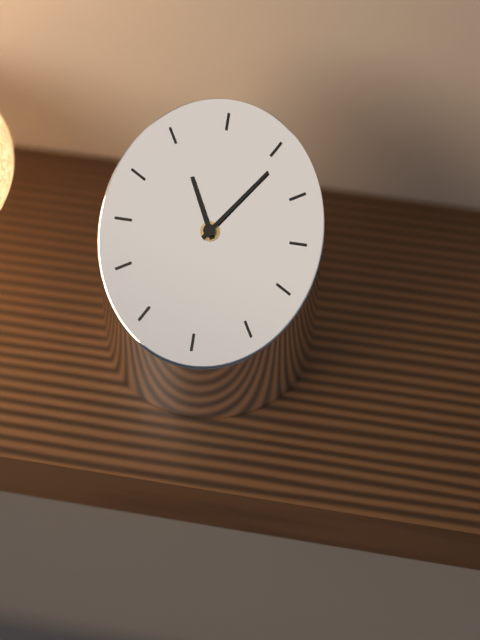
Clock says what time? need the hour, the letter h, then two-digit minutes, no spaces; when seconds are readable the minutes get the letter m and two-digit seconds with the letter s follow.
11h06
